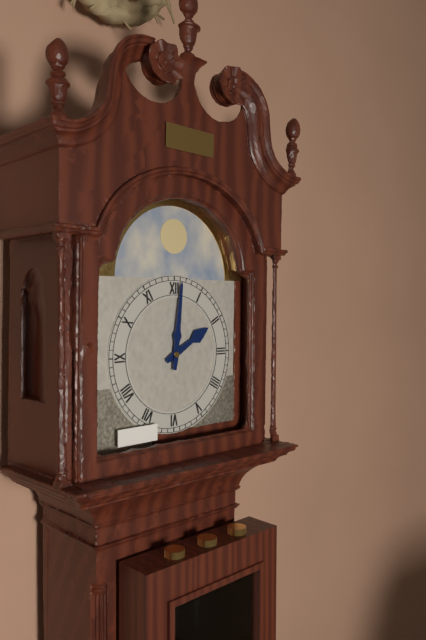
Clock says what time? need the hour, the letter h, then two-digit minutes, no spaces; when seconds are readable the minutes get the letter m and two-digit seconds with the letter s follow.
2h01
